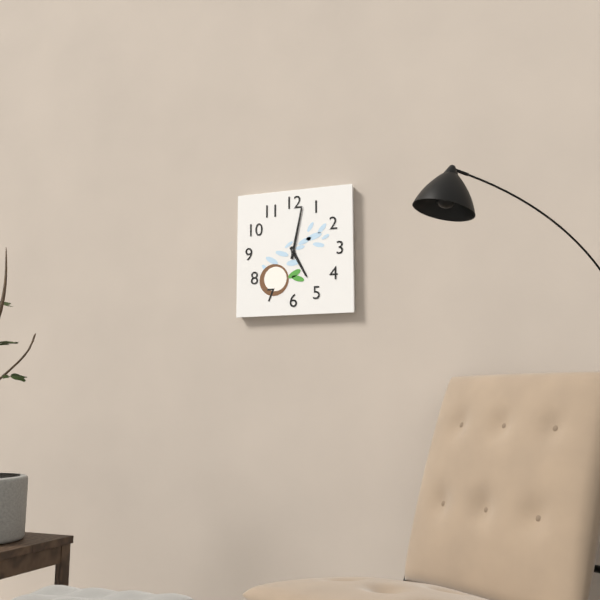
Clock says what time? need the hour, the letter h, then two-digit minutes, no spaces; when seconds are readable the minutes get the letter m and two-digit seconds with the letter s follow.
5h02
